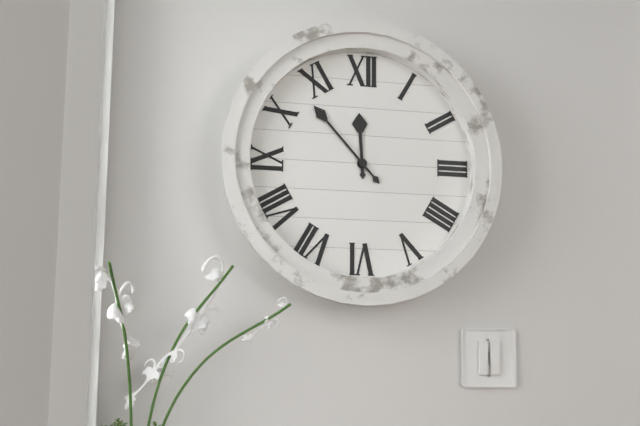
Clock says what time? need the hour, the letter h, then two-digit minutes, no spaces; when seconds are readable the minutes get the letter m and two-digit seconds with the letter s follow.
11h53
